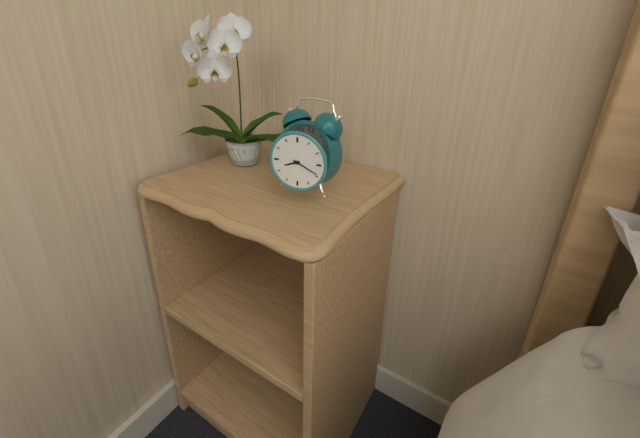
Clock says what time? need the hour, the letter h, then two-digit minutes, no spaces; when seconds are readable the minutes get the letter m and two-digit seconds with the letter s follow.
8h19
